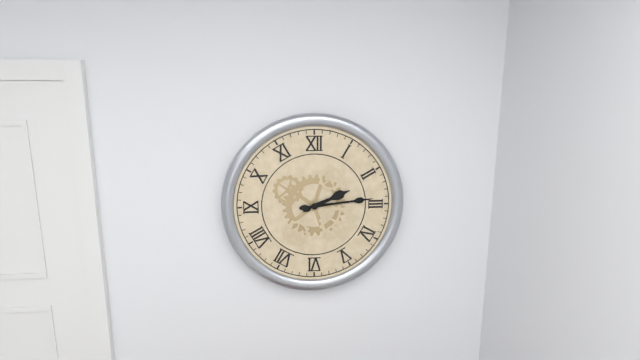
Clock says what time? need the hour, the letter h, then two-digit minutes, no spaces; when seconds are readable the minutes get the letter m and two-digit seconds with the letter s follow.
2h14
